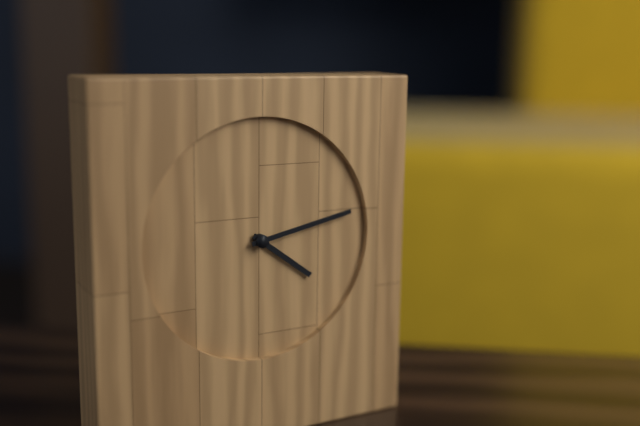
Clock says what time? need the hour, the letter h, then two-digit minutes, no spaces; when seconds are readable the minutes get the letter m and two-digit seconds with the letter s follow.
4h13
